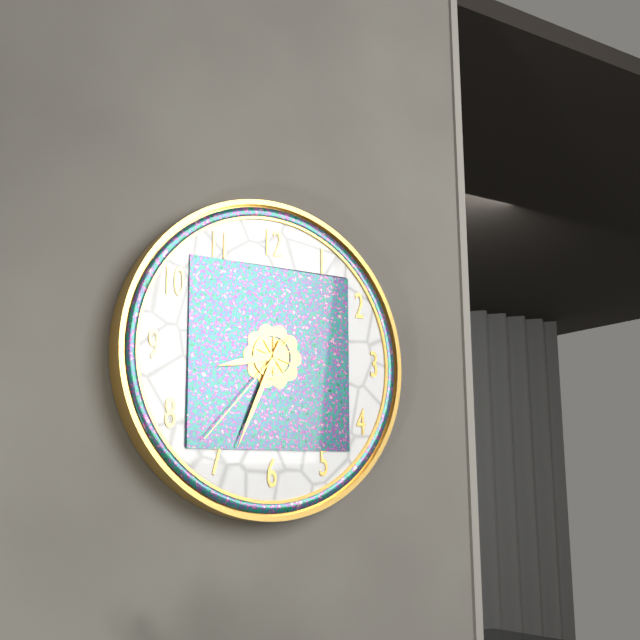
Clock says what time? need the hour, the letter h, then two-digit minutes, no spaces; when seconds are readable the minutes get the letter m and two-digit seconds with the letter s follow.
8h34m37s
